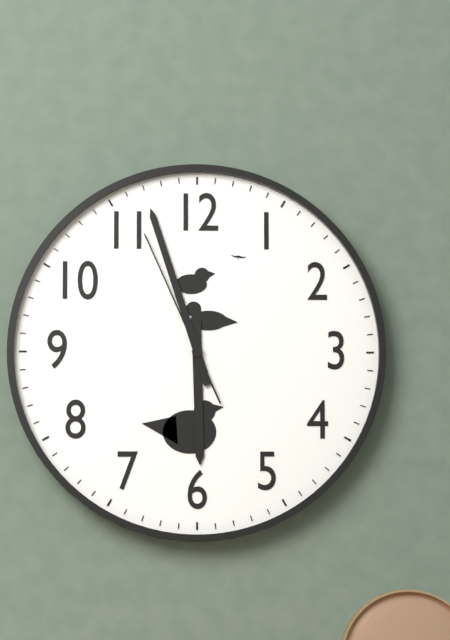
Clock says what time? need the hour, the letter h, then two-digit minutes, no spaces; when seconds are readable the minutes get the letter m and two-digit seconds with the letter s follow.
5h57m56s
